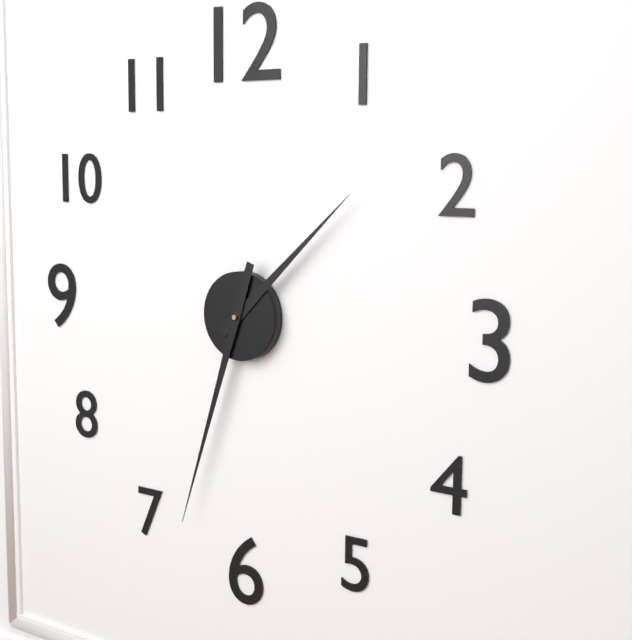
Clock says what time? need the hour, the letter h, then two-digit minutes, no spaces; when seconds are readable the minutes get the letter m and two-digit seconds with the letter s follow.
1h33
